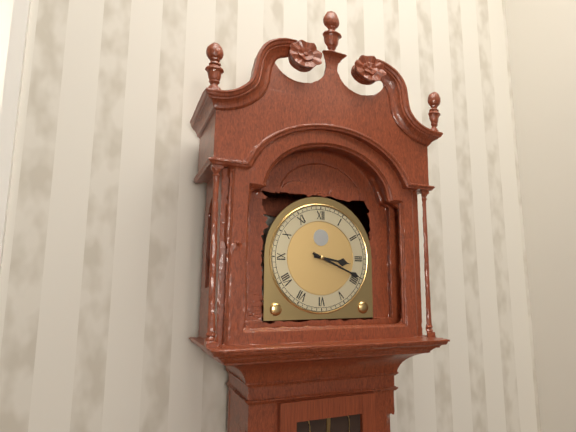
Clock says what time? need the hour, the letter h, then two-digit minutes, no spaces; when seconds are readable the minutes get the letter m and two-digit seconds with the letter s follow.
3h19
